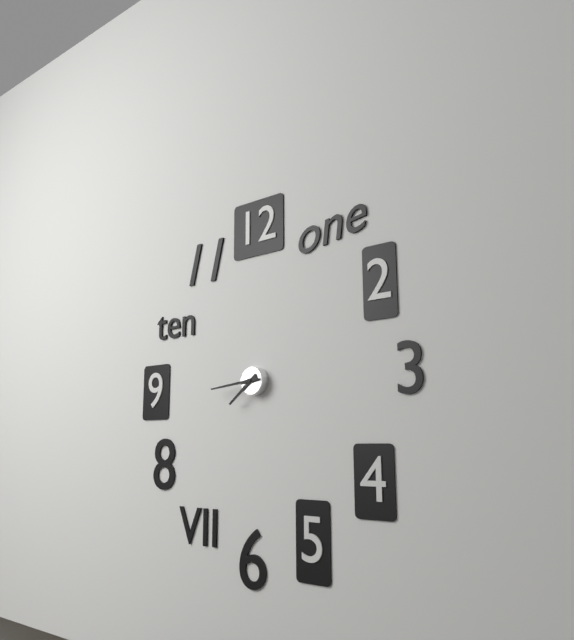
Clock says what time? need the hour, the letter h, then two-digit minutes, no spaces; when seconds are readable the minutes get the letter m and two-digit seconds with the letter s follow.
7h44
